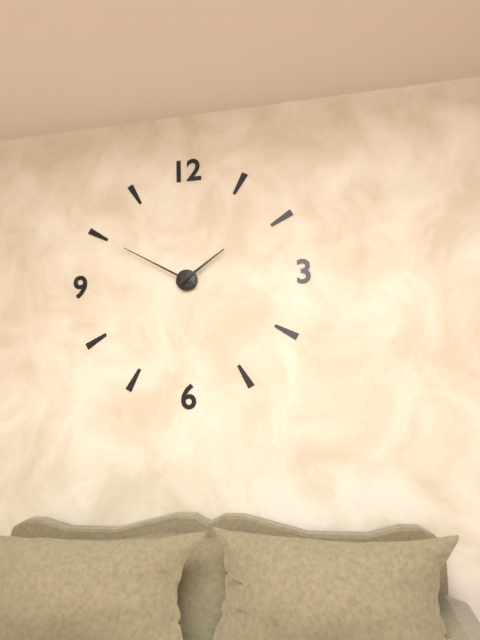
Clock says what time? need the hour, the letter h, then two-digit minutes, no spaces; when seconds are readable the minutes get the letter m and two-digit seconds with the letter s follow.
1h50
